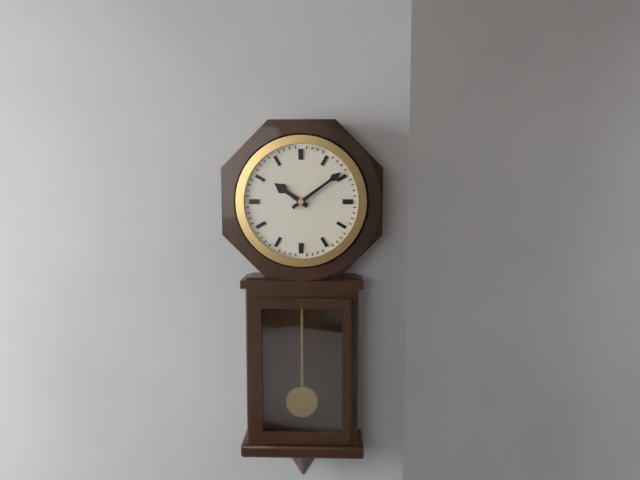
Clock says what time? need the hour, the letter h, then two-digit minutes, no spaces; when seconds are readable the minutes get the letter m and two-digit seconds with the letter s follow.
10h09
